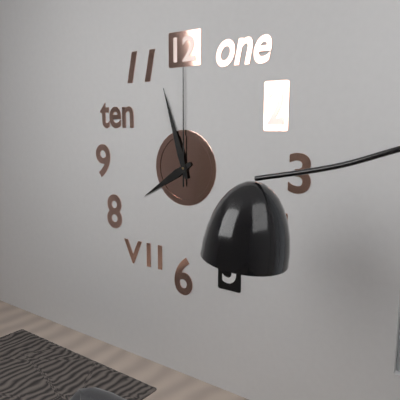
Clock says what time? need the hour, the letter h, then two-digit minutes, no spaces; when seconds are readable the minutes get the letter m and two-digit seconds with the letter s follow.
7h57m00s
